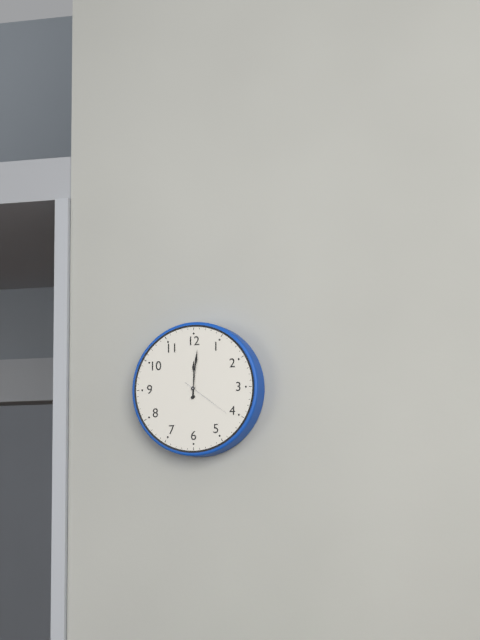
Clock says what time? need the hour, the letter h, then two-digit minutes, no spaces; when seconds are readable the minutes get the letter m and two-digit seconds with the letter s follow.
12h01m21s
